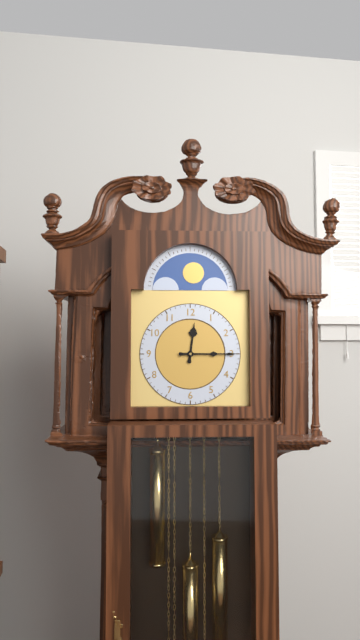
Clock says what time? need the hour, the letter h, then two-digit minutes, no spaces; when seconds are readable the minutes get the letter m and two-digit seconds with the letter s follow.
12h15
